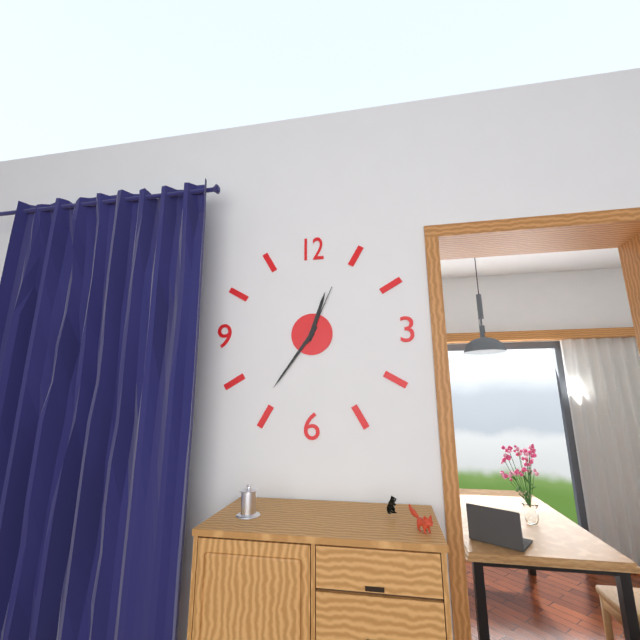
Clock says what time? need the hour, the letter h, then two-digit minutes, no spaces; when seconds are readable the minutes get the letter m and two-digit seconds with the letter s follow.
12h36m04s
